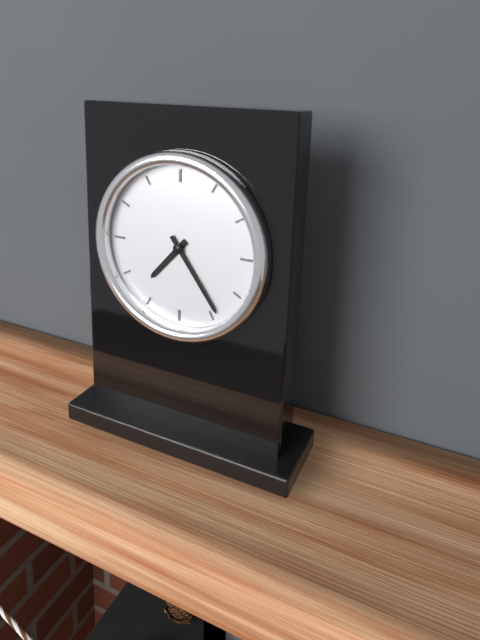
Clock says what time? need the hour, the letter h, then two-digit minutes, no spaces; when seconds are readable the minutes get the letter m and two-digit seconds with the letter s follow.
7h24
